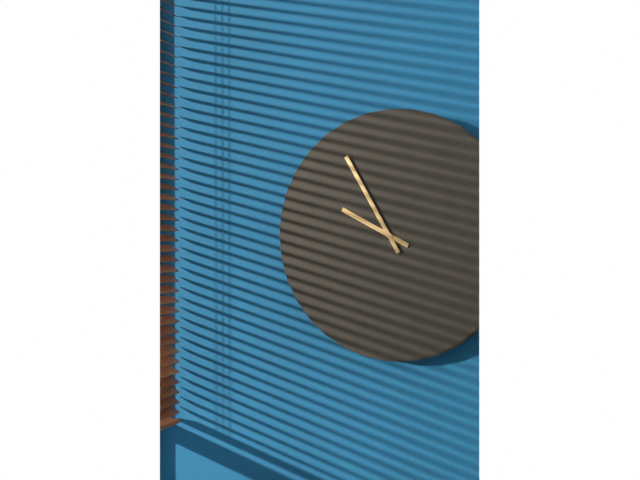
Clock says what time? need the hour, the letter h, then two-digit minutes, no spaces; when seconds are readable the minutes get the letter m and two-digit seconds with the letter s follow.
9h55
